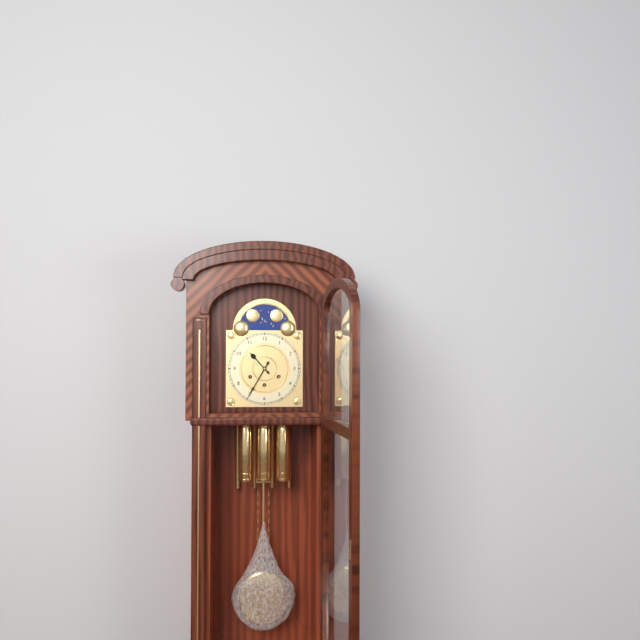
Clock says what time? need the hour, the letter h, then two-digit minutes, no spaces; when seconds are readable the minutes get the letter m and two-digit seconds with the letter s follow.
10h35
